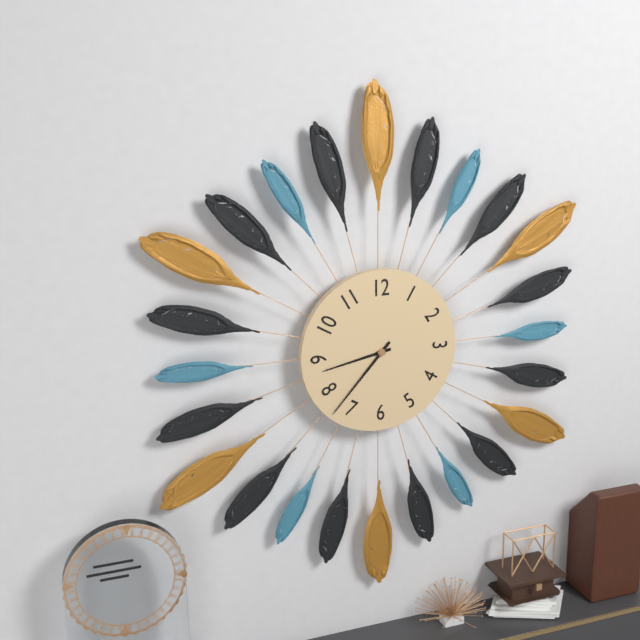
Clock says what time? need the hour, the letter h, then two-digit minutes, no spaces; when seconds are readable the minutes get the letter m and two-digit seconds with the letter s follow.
8h37
